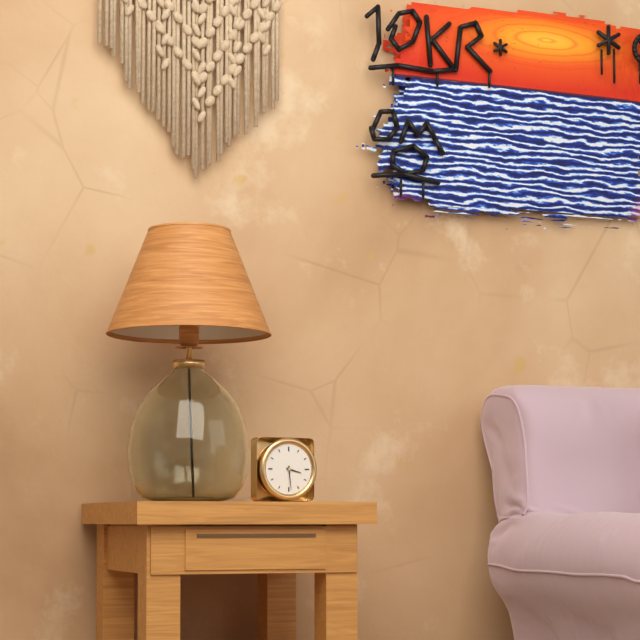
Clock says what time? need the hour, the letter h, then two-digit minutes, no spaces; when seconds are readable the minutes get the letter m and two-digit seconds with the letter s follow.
3h29
